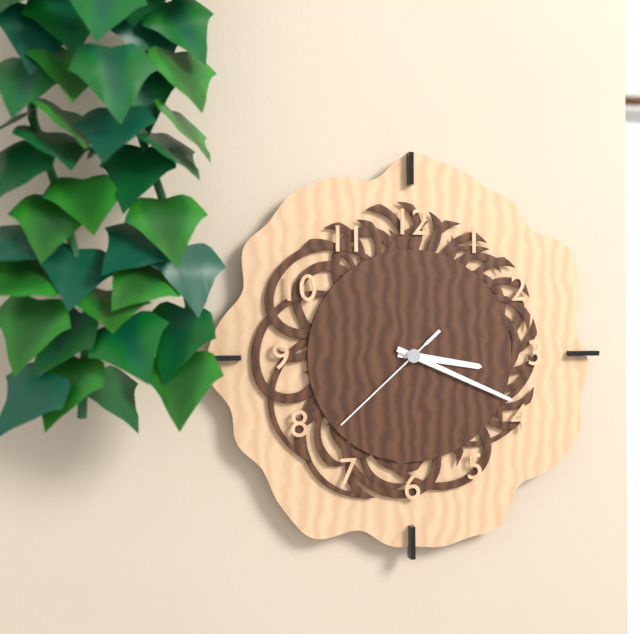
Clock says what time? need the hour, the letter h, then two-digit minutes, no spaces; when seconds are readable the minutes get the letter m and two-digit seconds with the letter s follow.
3h19m38s
